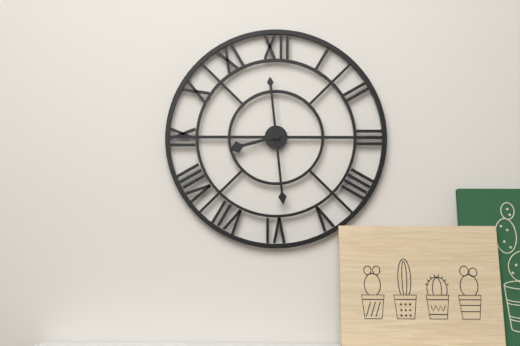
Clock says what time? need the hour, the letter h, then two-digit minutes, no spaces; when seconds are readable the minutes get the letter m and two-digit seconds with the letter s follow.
8h29
